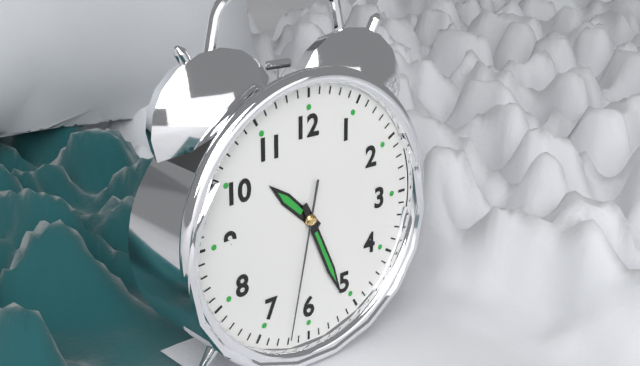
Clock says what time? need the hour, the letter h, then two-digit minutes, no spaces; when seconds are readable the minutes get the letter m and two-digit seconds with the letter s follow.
10h26m32s
